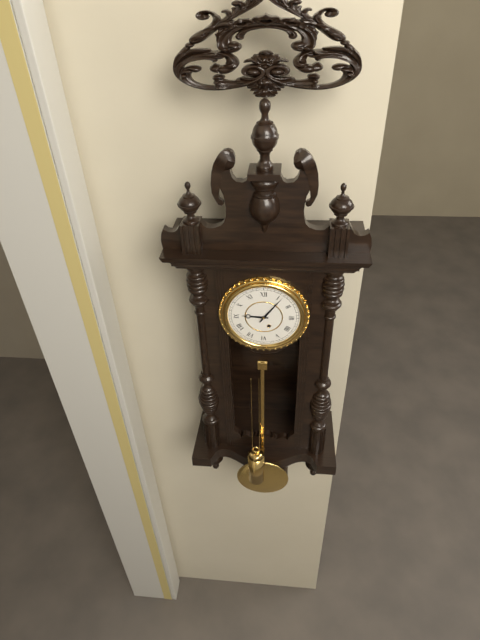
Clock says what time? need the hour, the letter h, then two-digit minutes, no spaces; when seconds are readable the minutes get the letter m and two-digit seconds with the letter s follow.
9h06
